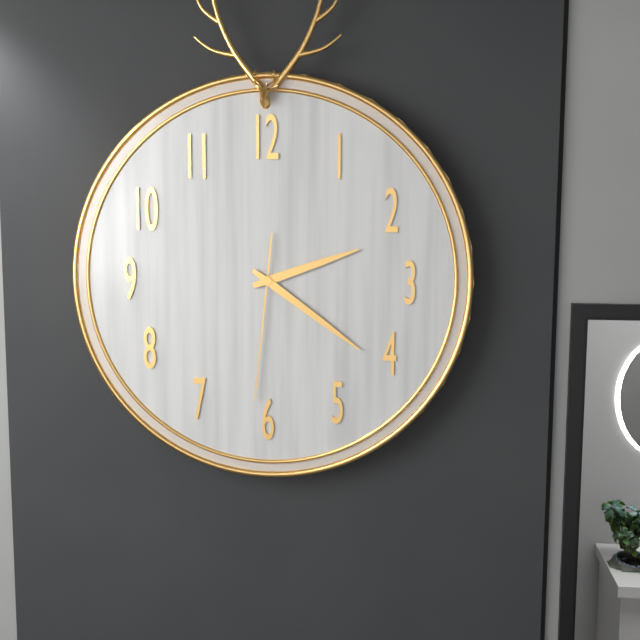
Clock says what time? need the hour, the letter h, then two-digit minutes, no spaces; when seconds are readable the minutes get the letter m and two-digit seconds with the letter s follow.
2h21m31s
